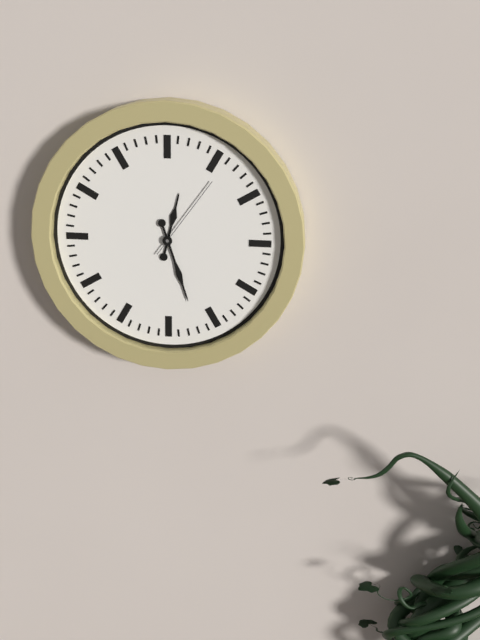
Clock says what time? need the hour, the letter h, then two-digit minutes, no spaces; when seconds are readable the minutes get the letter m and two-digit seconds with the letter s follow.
12h27m06s
